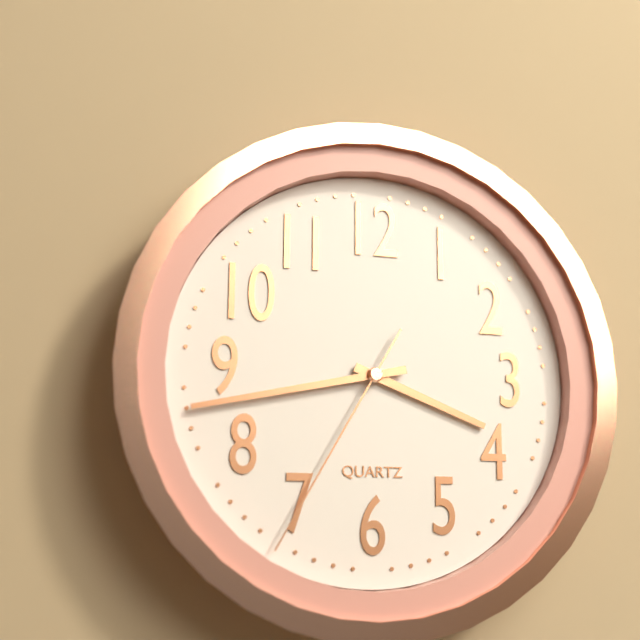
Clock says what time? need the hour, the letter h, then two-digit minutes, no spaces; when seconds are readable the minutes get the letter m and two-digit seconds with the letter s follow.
3h43m35s
